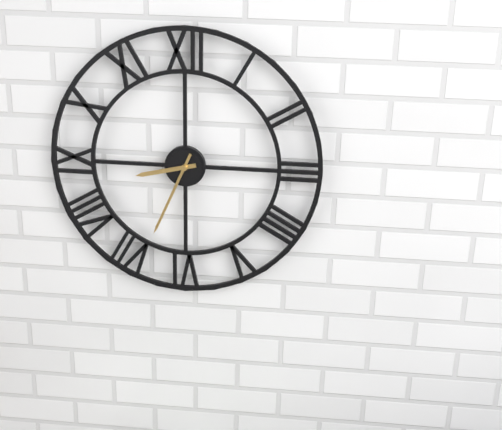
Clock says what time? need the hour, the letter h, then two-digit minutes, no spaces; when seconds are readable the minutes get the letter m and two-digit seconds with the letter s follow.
8h34
